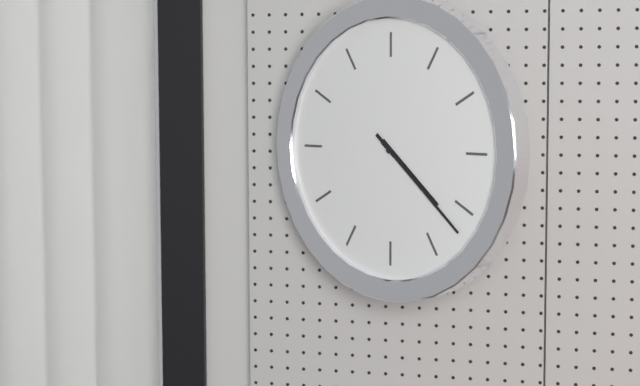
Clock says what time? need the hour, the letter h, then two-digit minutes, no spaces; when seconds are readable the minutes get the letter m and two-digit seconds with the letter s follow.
4h22
